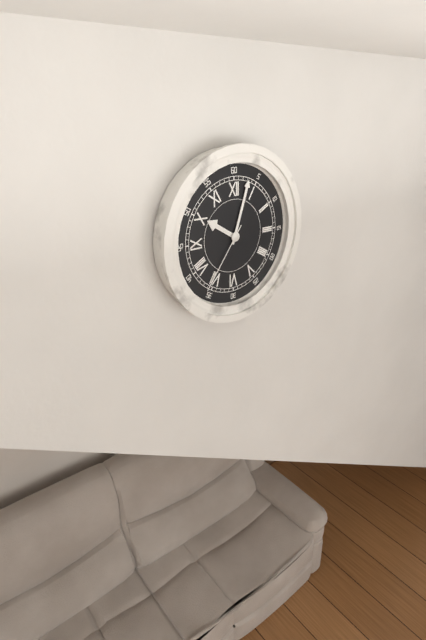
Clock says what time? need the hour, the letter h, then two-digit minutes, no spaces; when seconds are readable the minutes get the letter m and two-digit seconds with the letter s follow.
10h03m36s
